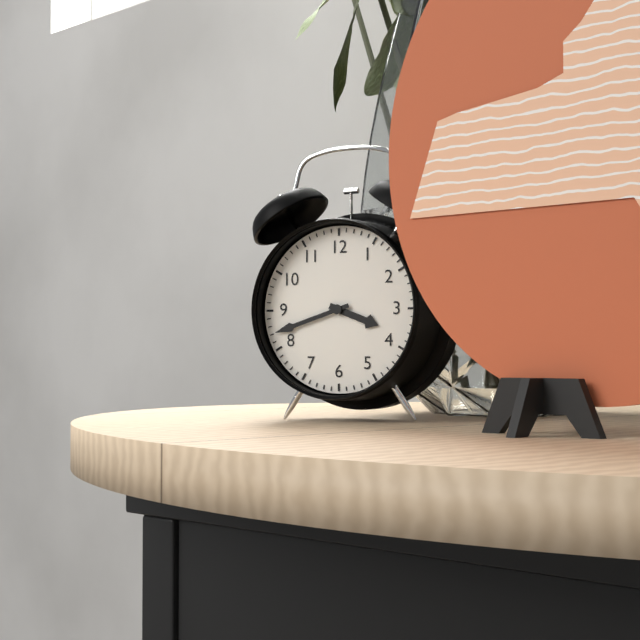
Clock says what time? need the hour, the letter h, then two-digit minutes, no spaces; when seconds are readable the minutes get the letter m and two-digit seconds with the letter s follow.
3h42
